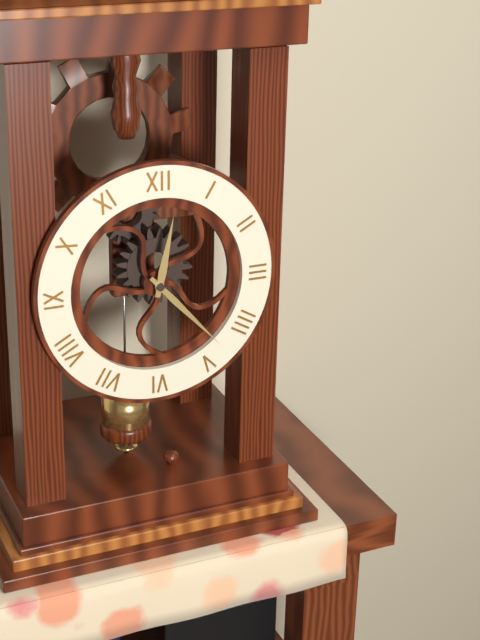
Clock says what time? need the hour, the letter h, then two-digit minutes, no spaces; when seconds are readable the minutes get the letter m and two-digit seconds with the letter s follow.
12h23
